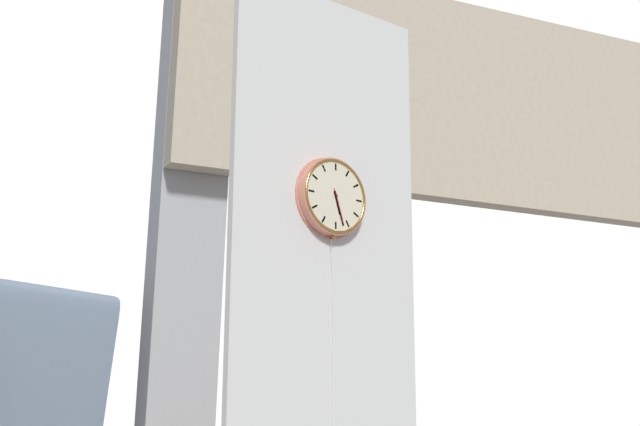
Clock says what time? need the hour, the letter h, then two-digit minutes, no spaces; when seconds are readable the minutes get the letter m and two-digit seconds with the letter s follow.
5h27
